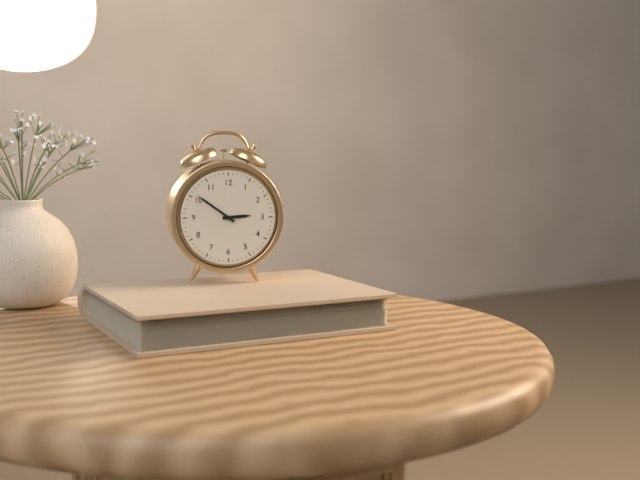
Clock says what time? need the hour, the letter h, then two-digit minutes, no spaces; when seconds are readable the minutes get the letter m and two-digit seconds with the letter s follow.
2h51
